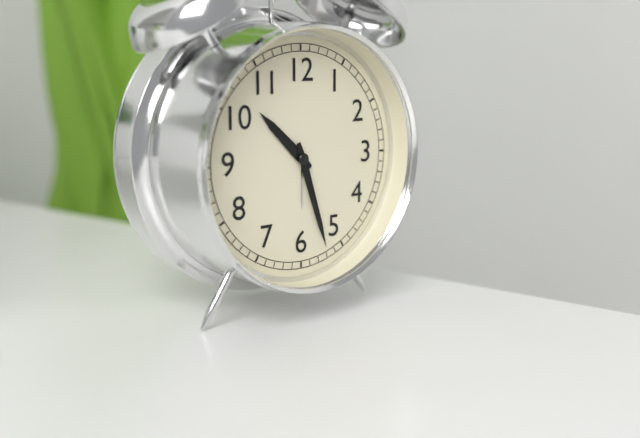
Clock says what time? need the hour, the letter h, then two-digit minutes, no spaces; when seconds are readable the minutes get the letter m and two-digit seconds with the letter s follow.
10h27
